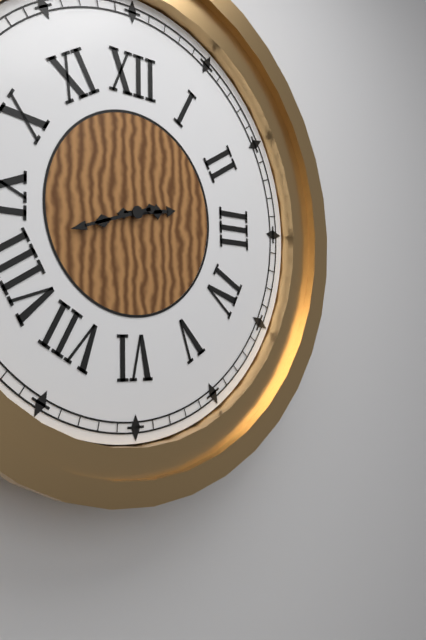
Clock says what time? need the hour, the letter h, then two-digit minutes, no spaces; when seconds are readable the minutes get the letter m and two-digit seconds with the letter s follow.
2h42
